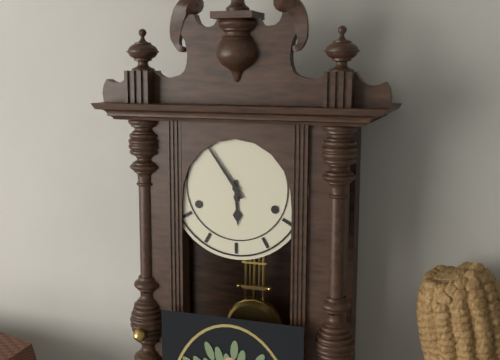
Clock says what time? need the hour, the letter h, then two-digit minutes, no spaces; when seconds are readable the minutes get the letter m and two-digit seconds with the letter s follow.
5h54
